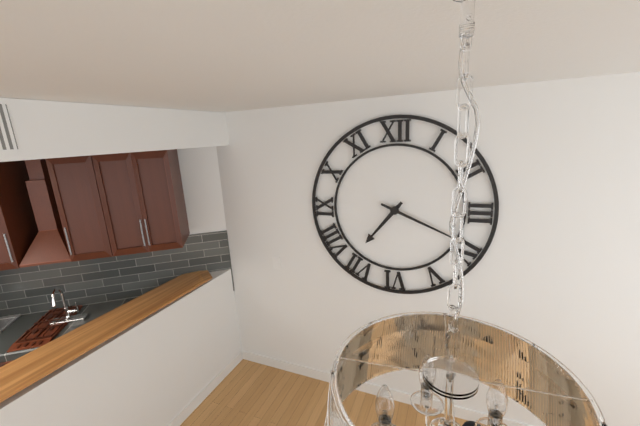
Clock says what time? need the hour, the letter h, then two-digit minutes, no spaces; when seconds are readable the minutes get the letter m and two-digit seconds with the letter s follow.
7h19
